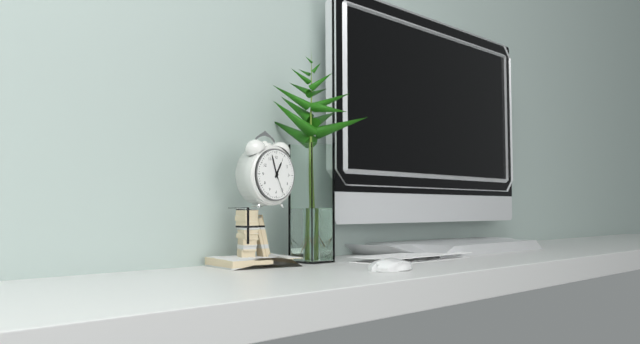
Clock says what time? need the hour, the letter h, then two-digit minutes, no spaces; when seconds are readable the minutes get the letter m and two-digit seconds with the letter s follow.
12h57
